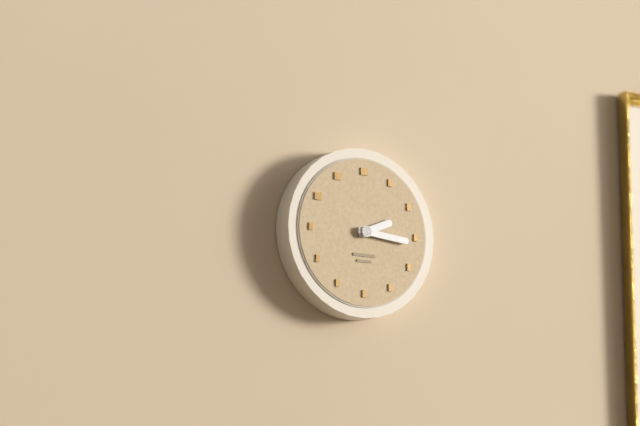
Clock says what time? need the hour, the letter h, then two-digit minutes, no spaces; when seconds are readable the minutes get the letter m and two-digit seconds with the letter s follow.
2h16
